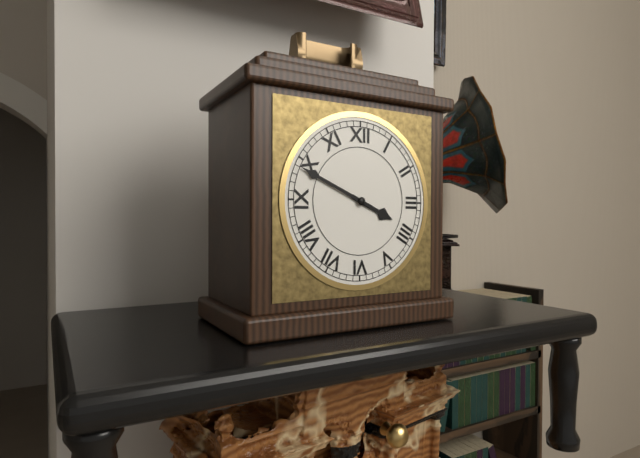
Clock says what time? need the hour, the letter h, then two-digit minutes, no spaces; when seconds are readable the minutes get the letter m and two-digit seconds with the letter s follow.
3h49
